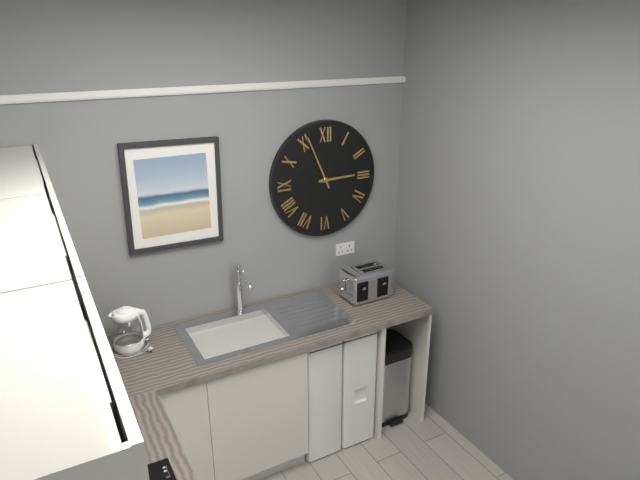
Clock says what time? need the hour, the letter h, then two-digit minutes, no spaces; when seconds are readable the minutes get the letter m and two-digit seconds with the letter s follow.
2h56
